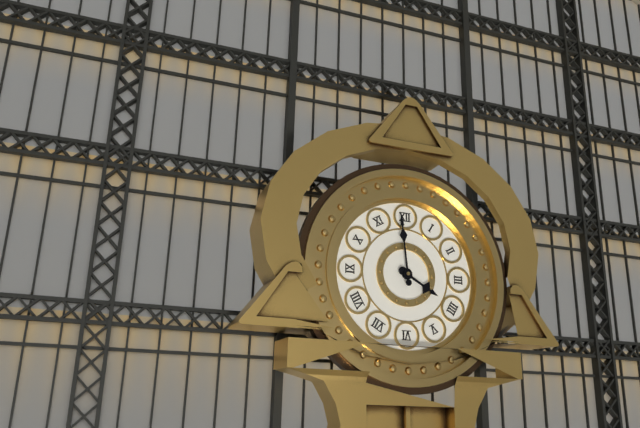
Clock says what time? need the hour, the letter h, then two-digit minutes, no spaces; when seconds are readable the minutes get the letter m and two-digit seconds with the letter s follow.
3h59
